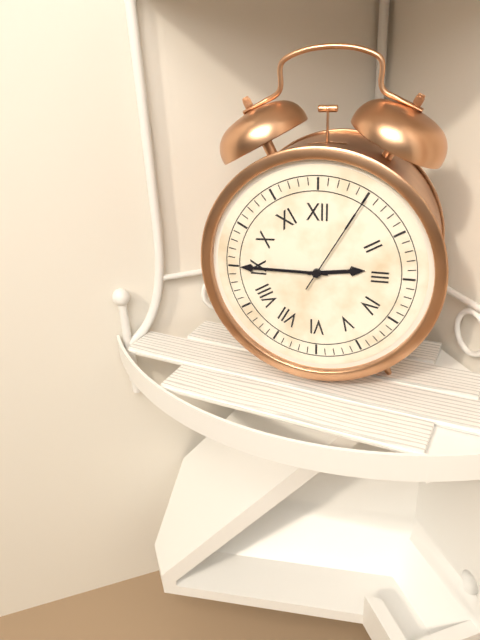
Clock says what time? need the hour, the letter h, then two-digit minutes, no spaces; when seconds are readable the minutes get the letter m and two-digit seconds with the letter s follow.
2h45m05s
